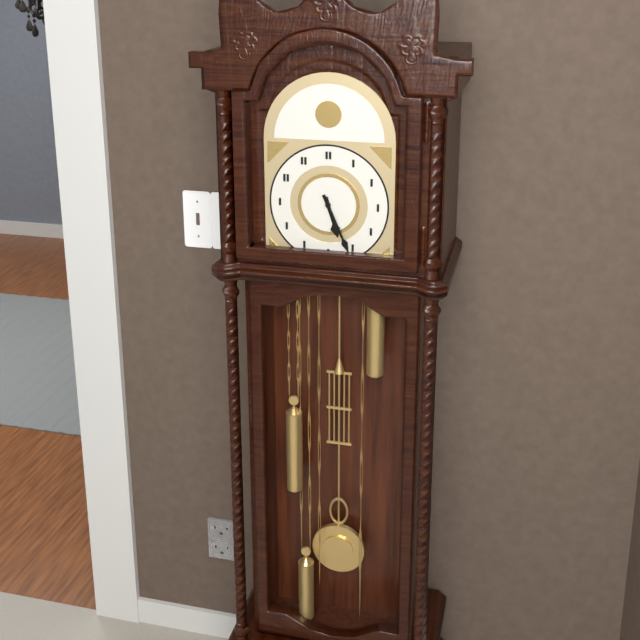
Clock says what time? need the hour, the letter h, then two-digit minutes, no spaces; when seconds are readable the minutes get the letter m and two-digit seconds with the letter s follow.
5h26
